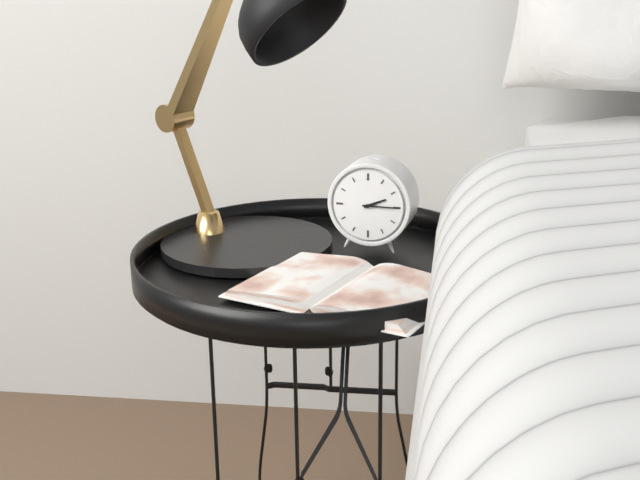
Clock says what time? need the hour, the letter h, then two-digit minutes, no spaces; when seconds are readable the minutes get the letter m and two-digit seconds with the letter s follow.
2h15
